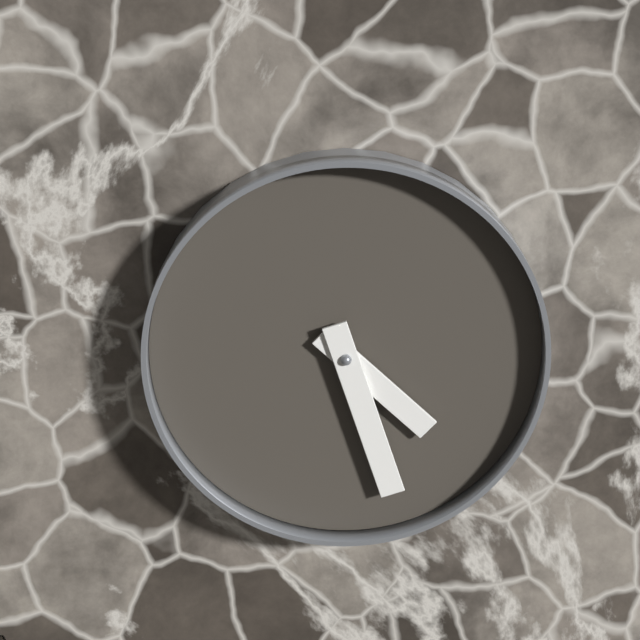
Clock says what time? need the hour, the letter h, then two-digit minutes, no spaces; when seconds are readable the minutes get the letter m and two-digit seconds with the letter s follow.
4h27
